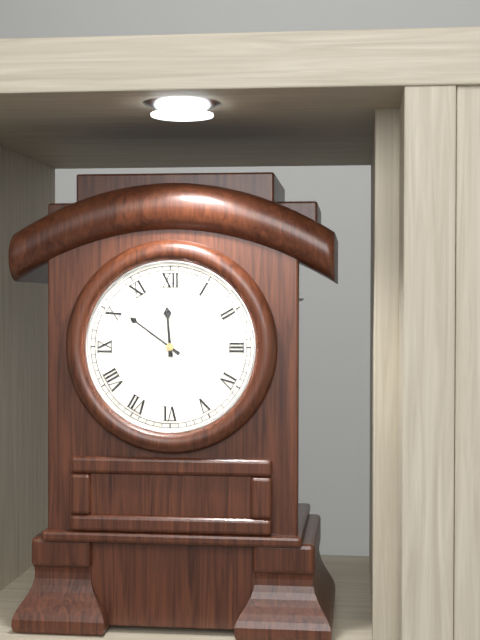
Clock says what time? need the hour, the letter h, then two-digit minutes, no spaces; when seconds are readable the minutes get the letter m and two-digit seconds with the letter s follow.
11h51
